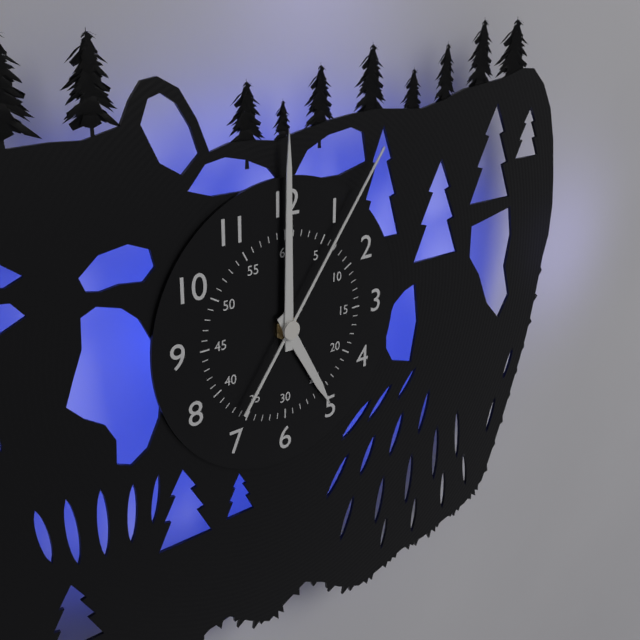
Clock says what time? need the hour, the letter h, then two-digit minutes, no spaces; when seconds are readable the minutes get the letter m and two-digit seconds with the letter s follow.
5h00m06s
